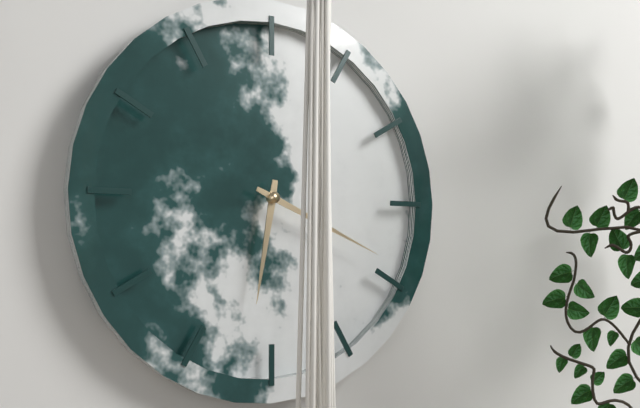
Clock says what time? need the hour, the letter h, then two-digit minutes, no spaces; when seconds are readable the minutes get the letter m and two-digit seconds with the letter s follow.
6h19
